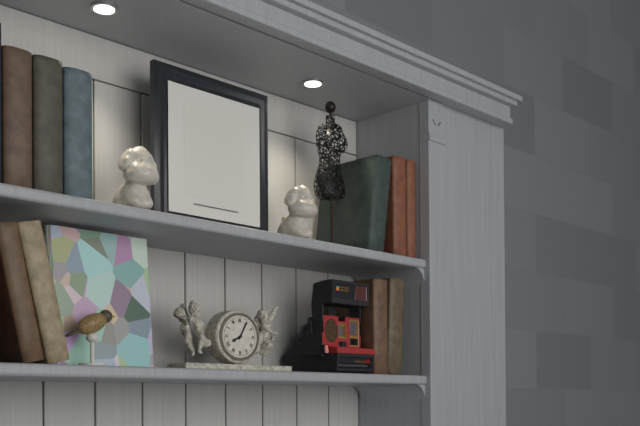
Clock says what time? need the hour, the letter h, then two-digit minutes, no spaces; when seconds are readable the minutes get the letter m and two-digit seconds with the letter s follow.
8h05
